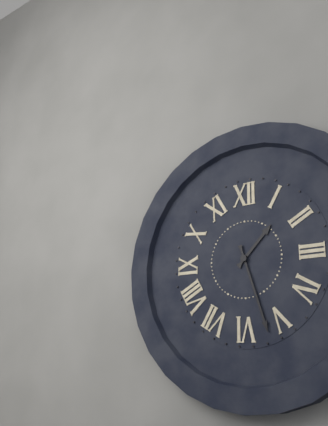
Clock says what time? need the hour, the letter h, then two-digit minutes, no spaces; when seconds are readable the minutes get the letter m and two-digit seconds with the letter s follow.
1h27
